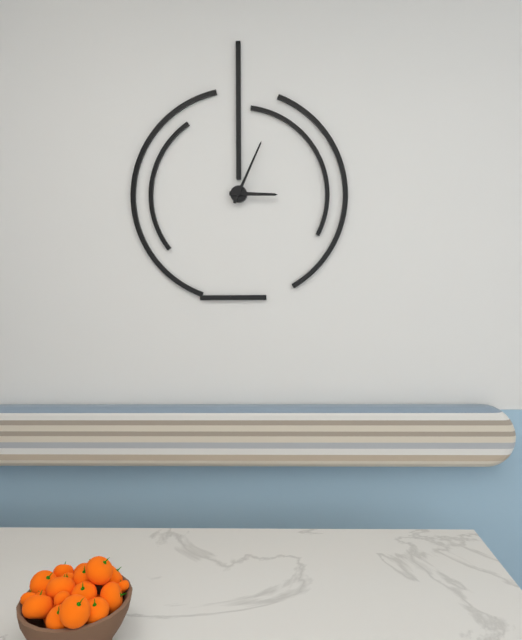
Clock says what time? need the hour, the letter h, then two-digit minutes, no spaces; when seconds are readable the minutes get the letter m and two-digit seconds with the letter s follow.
3h04
